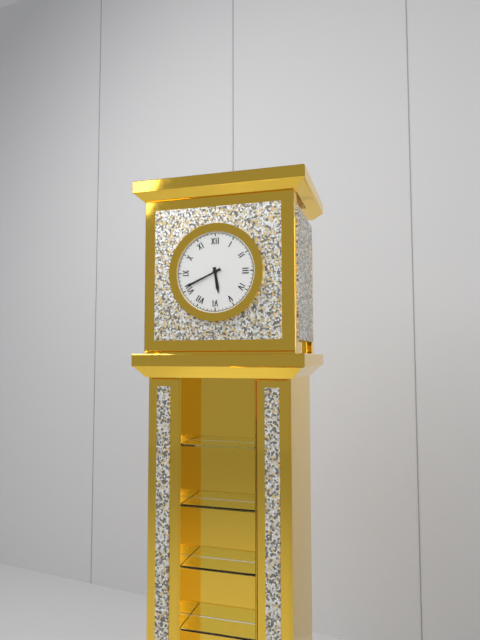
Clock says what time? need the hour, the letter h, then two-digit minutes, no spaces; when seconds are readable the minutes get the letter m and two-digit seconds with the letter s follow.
5h41
